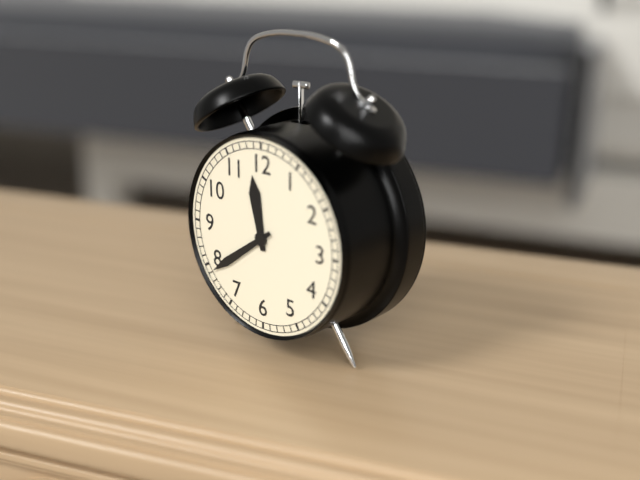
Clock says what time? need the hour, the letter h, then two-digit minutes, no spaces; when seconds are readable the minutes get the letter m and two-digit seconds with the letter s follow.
11h39
